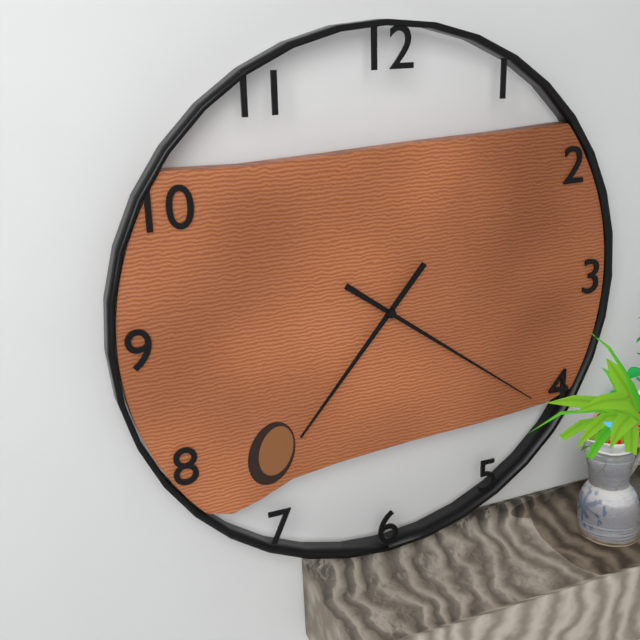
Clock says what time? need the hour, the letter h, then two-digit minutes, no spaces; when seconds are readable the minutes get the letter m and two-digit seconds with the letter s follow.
7h21
